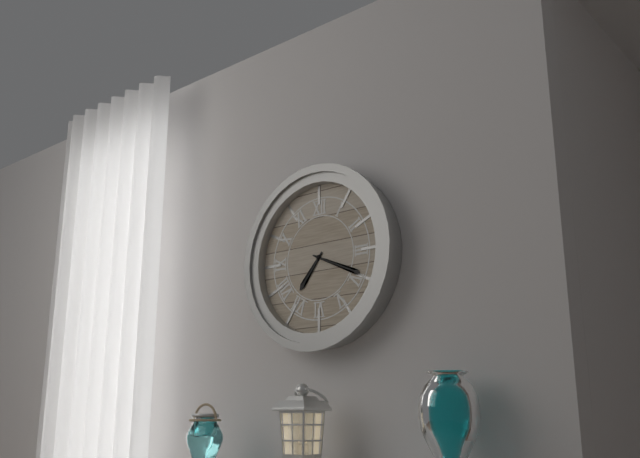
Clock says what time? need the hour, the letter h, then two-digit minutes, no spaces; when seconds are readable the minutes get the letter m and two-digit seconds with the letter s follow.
7h19
